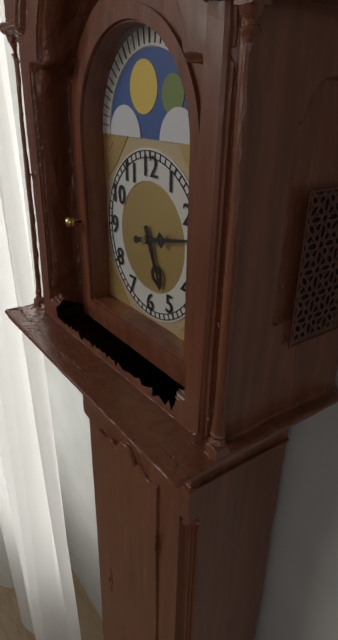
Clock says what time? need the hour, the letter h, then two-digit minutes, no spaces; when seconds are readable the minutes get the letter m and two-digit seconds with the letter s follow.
5h13
